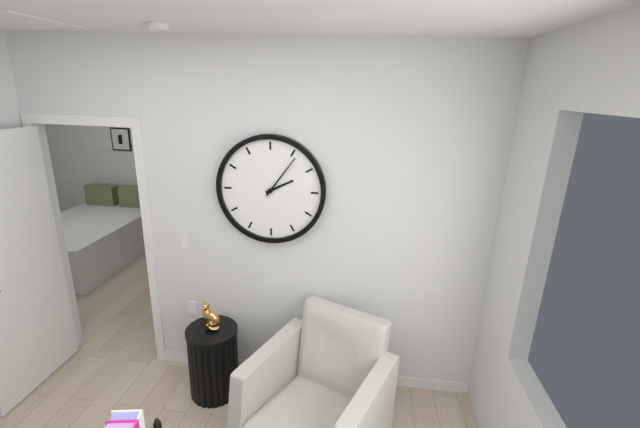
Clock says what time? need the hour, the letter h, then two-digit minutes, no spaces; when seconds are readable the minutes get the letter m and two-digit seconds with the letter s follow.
2h06
